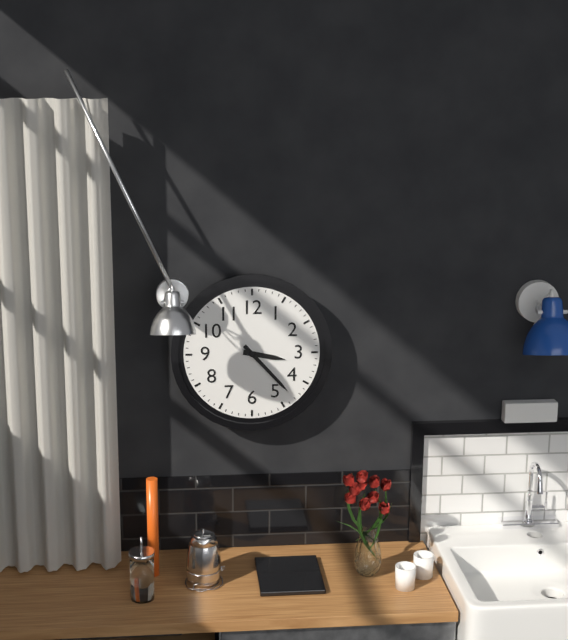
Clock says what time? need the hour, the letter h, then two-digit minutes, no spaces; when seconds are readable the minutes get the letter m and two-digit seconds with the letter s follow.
3h23
